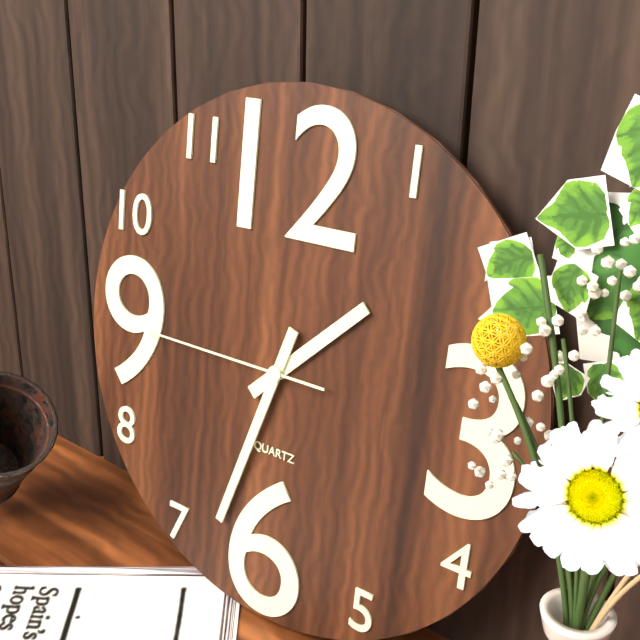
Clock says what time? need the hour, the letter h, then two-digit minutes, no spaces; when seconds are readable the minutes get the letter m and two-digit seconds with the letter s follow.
1h33m45s
